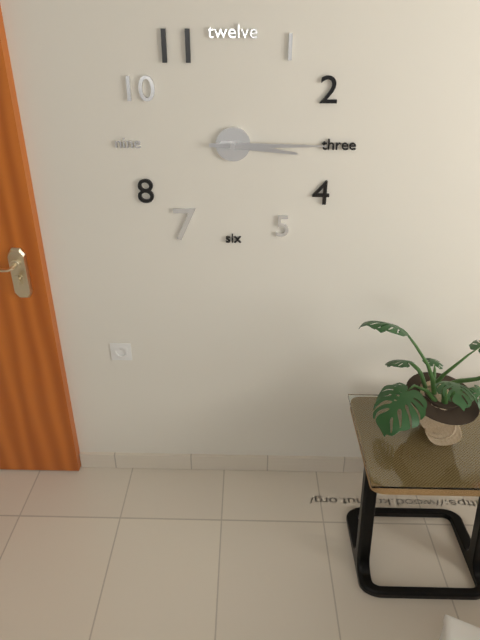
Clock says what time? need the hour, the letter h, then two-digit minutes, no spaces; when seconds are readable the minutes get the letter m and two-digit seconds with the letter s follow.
3h15
